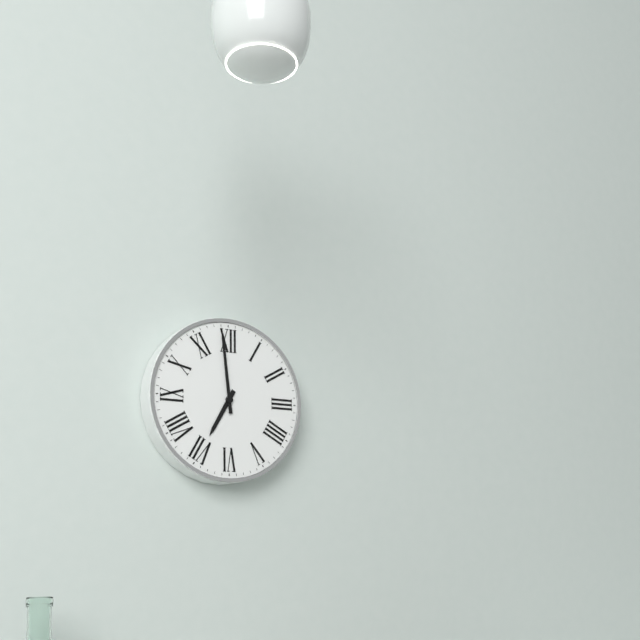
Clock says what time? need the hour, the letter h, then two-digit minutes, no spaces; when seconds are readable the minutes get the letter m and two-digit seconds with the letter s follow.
6h59
